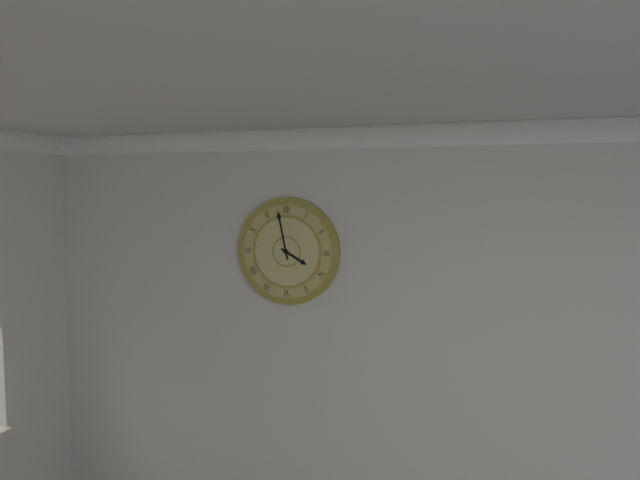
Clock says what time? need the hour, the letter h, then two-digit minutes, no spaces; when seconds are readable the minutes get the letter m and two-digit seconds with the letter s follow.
3h58
